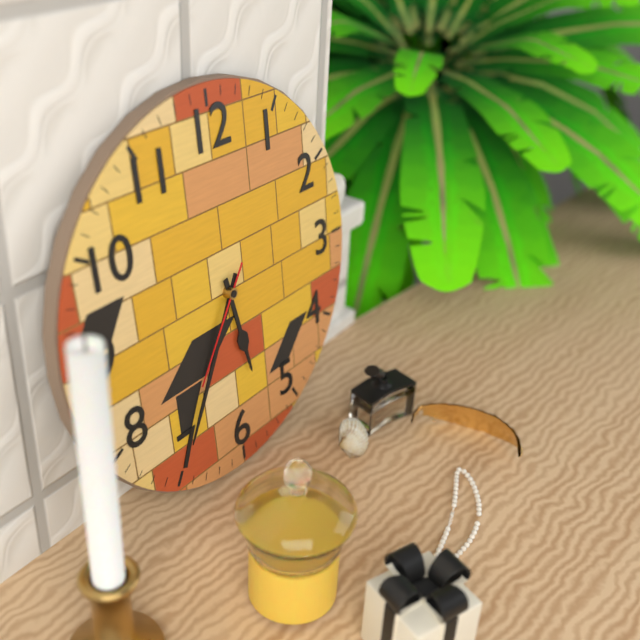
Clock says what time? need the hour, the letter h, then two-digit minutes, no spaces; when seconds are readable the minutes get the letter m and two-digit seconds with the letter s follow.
5h35m36s
